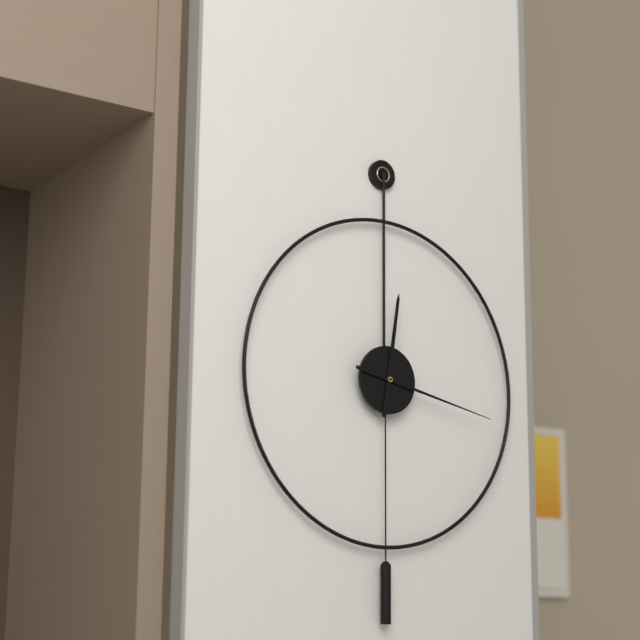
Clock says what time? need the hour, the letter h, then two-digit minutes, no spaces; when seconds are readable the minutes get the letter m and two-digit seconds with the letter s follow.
12h17
